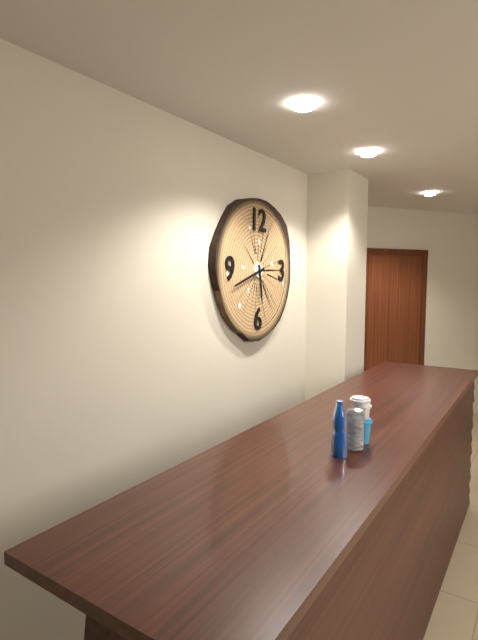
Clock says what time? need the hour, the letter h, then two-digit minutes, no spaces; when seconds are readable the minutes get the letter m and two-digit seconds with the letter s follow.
5h42
